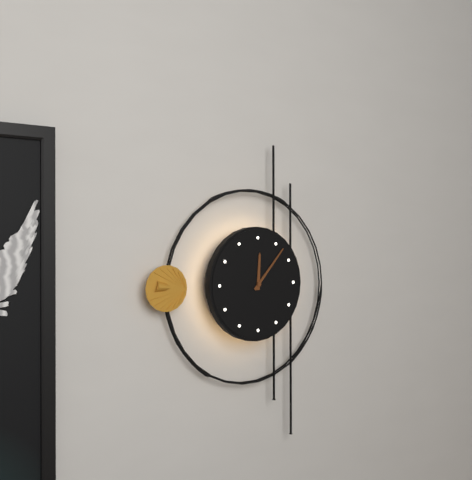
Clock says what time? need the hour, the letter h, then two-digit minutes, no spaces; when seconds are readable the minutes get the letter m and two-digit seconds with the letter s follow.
12h07
